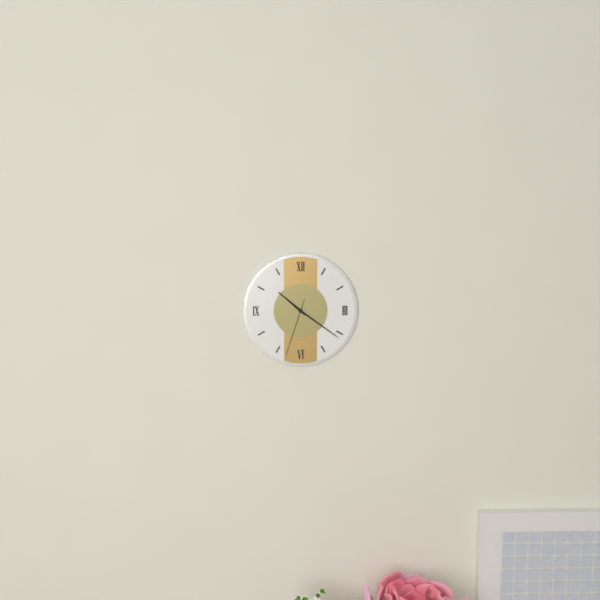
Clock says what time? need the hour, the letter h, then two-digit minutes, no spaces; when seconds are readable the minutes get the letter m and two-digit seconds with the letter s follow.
10h21m33s
